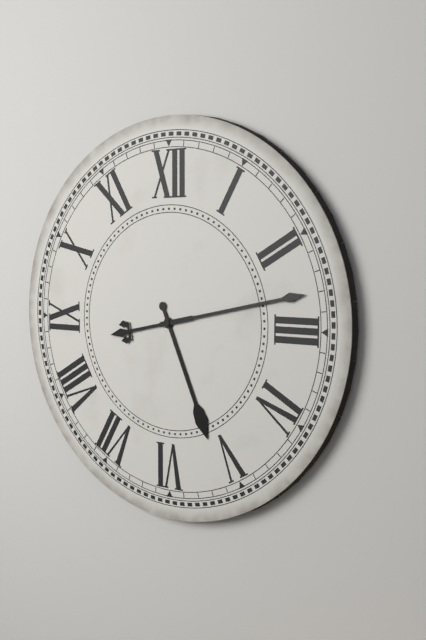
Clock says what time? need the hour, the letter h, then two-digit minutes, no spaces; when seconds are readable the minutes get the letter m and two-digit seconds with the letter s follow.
5h13
